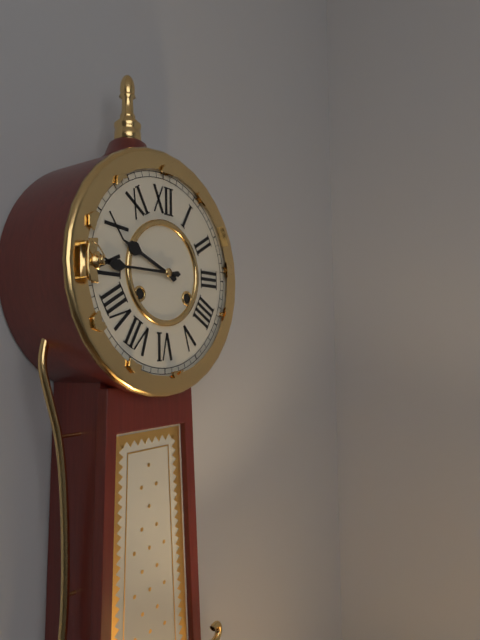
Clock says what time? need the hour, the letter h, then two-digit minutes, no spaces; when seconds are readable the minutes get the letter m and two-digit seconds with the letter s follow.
9h45
